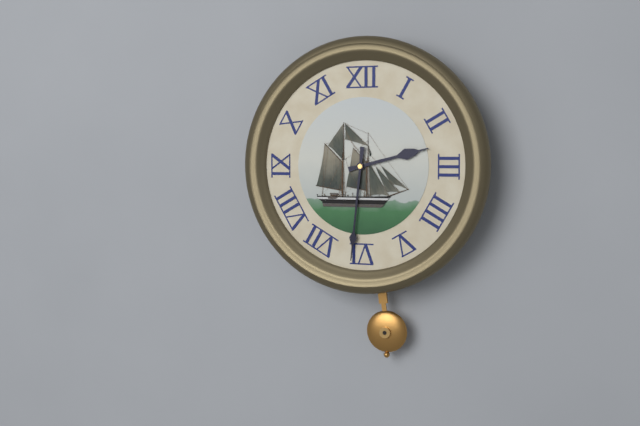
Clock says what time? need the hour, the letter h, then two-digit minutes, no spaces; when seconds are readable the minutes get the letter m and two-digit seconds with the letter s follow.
2h31
